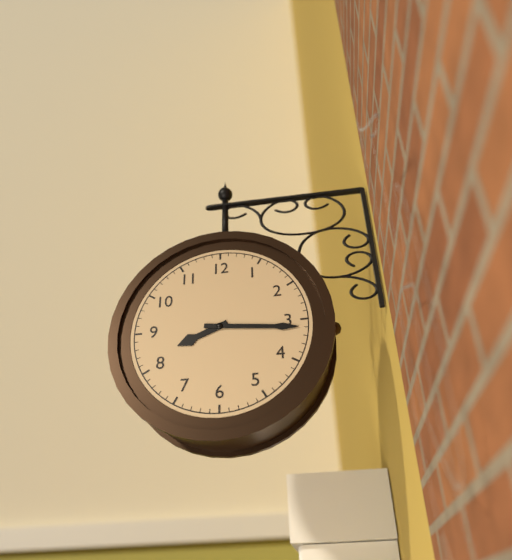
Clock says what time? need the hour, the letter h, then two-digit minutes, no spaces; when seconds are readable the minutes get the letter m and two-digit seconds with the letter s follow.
8h16
